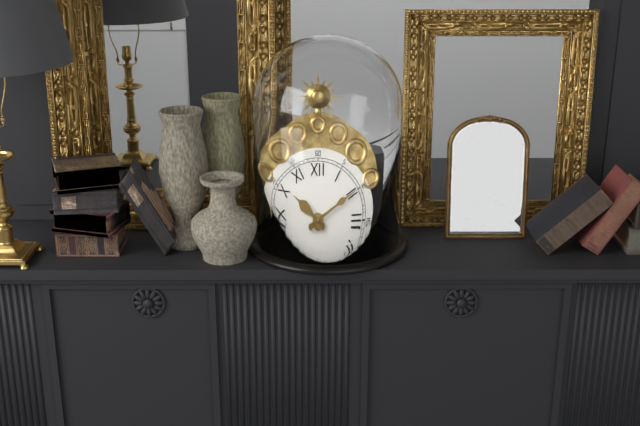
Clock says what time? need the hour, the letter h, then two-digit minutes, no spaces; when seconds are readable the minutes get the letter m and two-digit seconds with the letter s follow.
10h10
